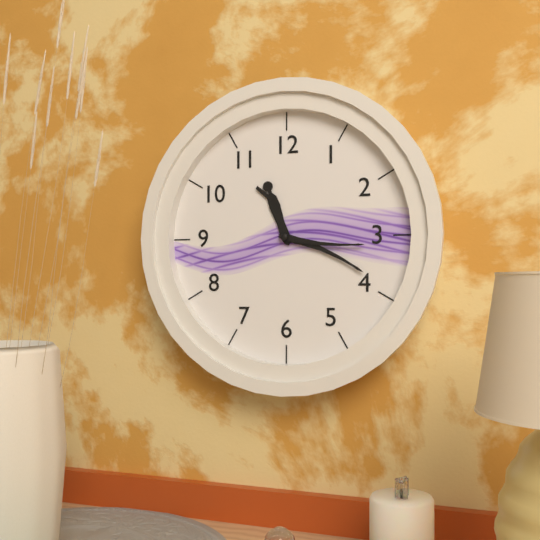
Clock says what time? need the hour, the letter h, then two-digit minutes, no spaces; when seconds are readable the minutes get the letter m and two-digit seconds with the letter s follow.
11h19m16s
